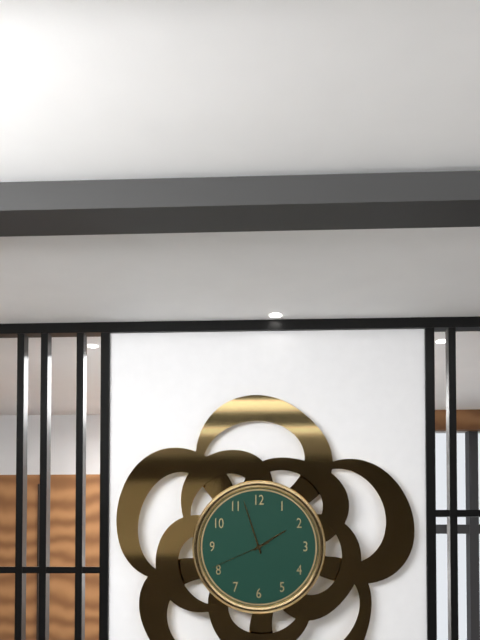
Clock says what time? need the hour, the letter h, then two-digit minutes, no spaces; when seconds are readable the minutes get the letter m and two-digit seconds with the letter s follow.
1h57m41s
